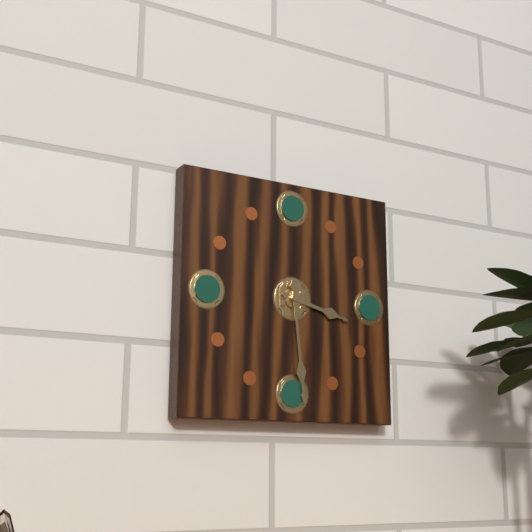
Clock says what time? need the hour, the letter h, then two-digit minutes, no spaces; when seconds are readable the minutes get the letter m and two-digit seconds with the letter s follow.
3h29
